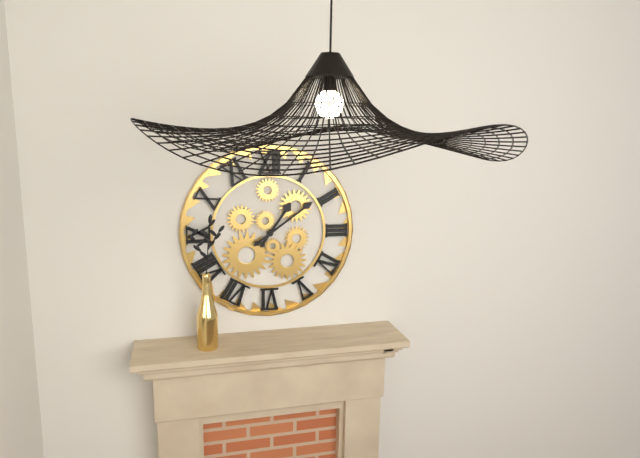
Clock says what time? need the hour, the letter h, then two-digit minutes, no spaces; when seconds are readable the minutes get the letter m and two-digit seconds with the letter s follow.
1h09
